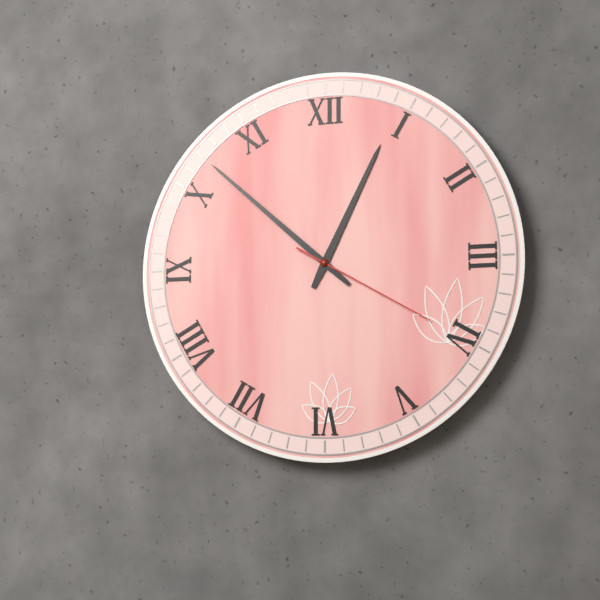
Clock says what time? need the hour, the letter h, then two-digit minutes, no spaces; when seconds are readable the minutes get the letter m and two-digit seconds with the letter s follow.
12h52m20s
